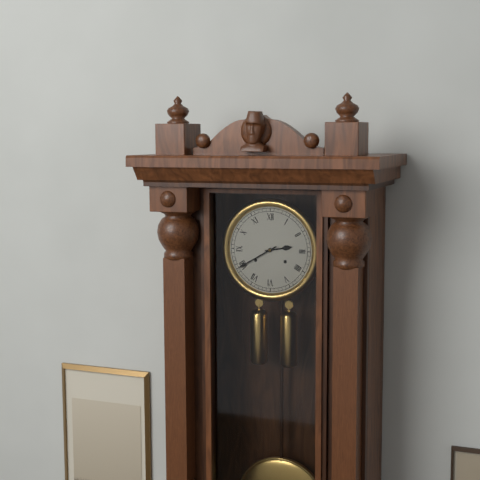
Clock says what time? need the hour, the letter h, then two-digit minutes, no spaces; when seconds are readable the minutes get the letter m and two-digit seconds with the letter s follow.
2h40
